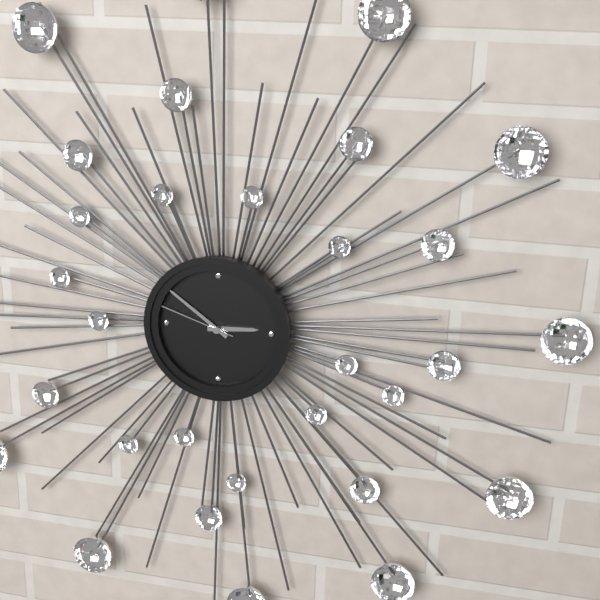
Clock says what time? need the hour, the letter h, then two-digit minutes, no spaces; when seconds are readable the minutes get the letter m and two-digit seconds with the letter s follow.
2h51m48s
